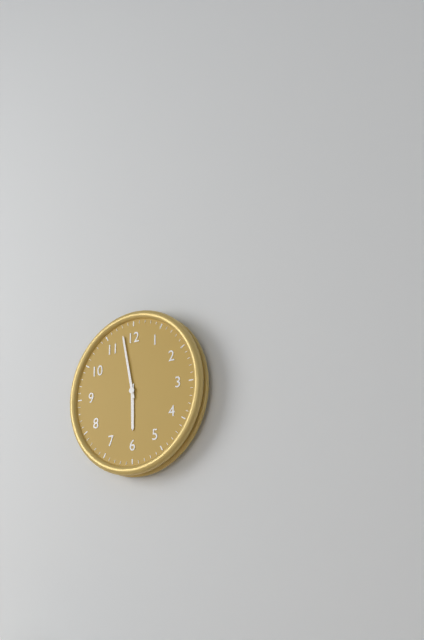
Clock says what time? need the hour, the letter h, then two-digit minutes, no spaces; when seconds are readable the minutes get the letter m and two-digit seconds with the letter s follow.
5h58
